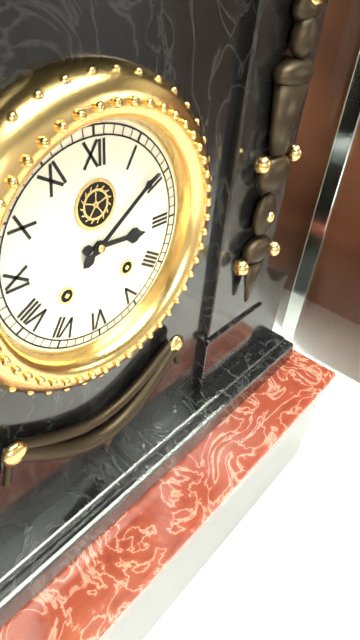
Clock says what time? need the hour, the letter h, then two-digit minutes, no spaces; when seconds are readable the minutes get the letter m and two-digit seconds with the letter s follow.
3h09
